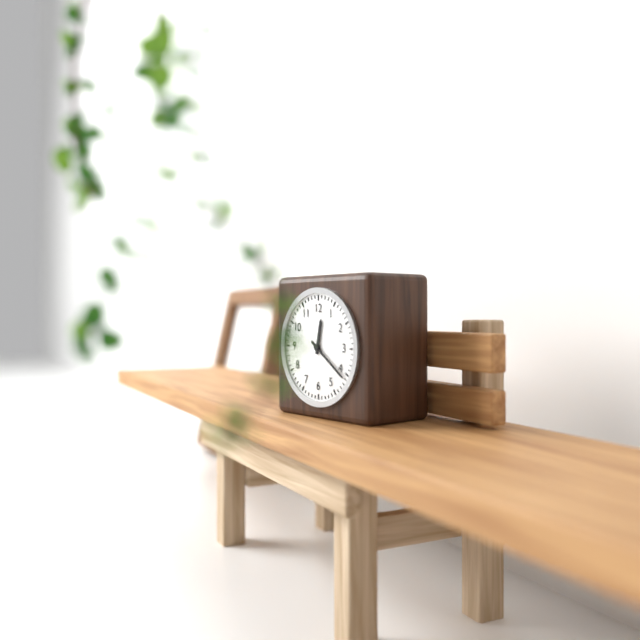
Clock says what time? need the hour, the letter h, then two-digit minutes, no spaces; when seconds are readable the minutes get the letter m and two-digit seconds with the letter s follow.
12h21
